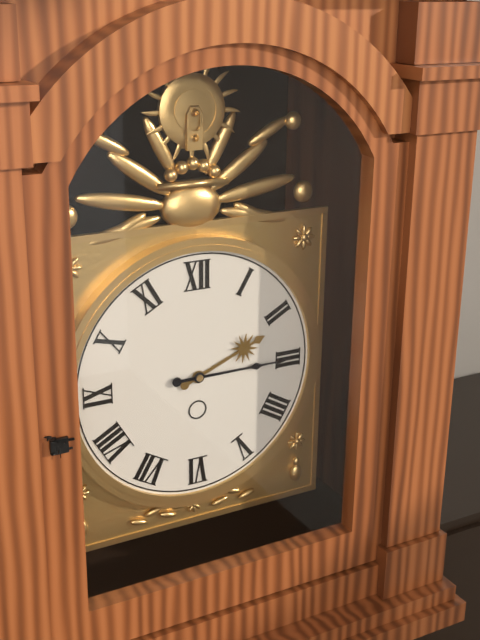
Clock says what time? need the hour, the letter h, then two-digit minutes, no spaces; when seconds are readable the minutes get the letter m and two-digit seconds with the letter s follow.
2h15
